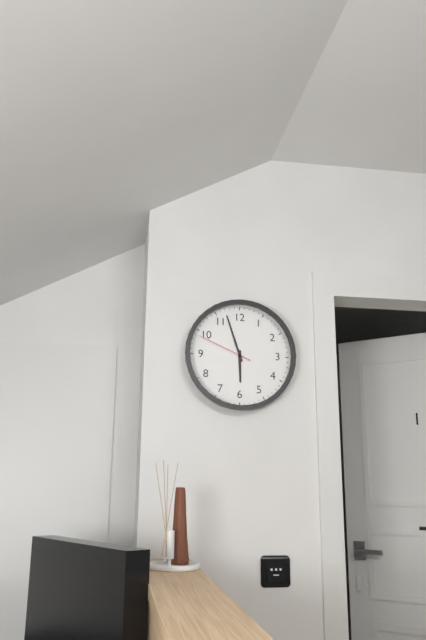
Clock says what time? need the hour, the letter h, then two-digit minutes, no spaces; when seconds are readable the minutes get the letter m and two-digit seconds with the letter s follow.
5h57m49s
